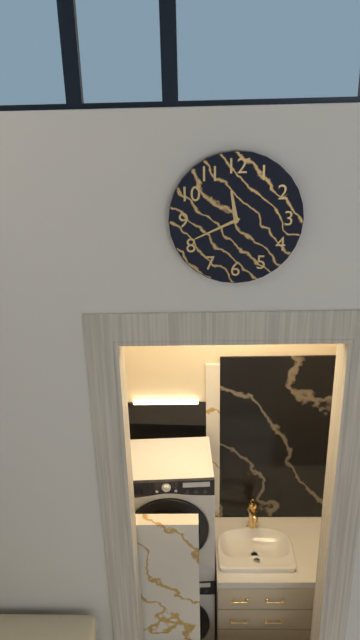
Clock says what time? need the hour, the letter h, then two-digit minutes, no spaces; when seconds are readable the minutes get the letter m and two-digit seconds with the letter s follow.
11h41
